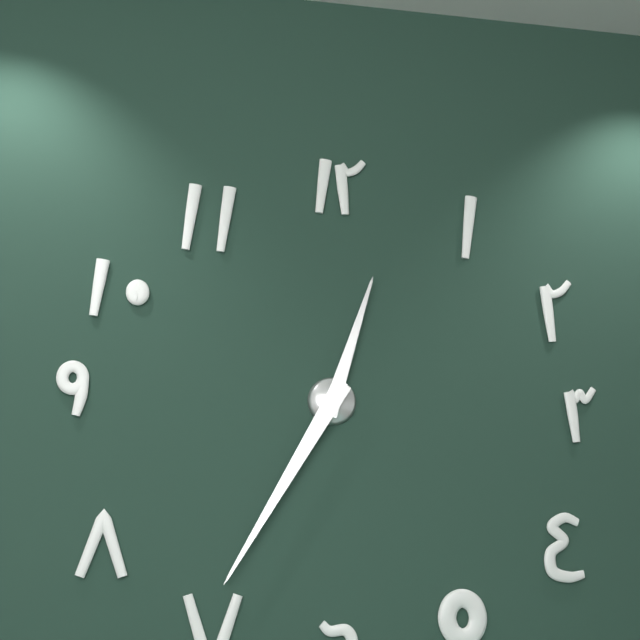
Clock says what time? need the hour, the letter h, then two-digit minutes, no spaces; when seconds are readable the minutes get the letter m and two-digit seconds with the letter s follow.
12h35
